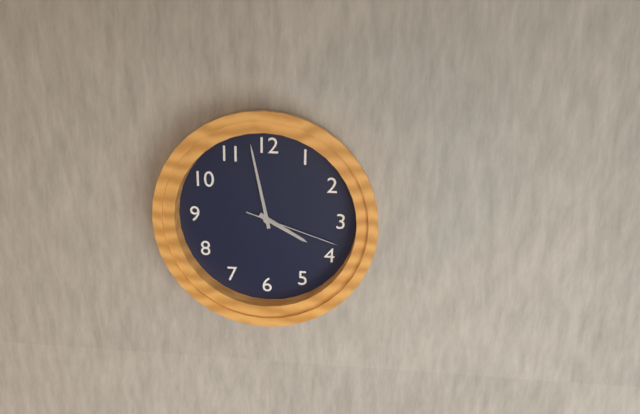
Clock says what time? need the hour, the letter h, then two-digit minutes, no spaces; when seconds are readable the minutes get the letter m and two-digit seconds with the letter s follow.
3h58m18s
